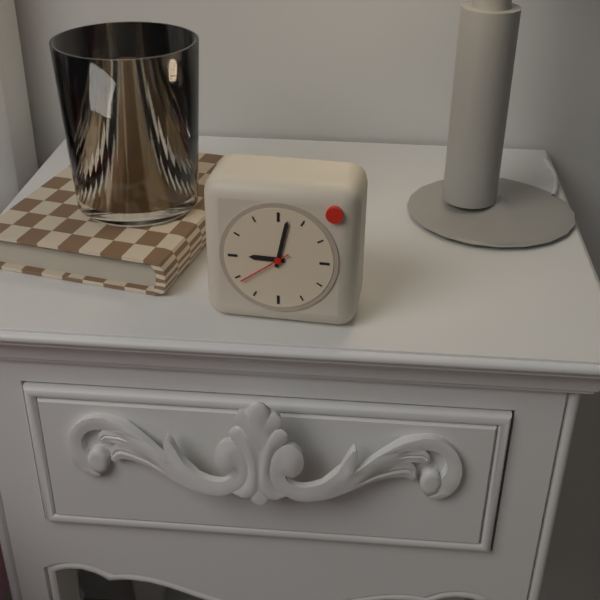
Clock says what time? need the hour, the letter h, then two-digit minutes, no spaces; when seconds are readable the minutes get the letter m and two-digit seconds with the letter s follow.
9h02m39s
